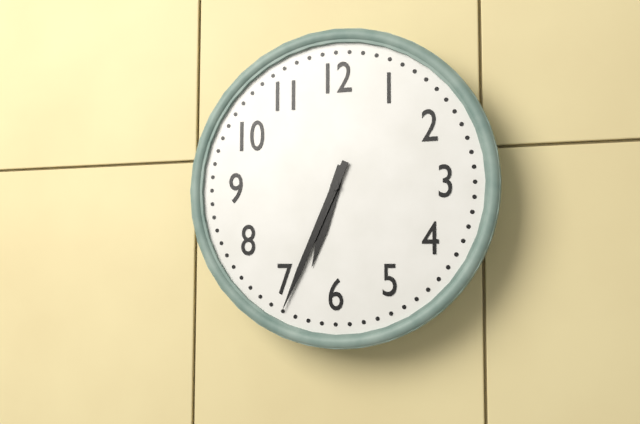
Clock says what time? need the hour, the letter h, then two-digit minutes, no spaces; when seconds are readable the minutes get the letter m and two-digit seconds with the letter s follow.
6h34
